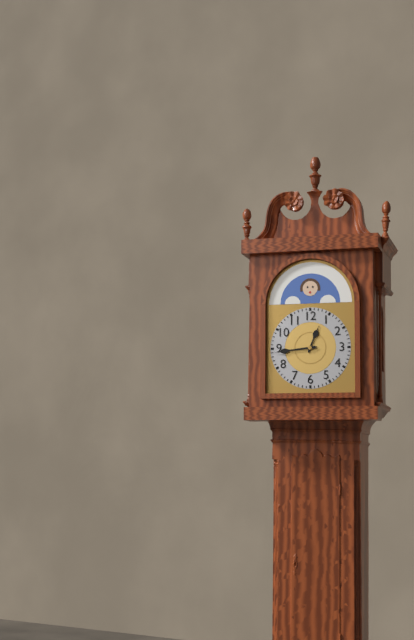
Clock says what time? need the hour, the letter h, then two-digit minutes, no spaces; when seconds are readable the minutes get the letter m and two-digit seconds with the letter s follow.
12h44
